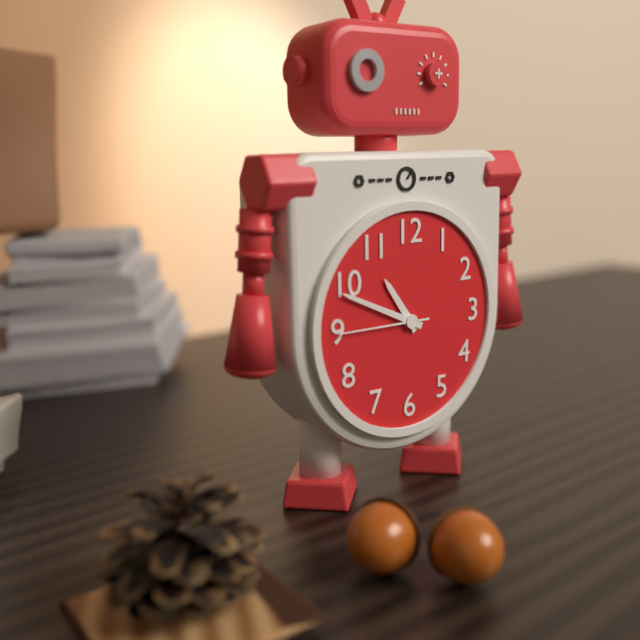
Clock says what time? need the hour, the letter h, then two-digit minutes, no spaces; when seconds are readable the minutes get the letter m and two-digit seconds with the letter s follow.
10h49m45s
